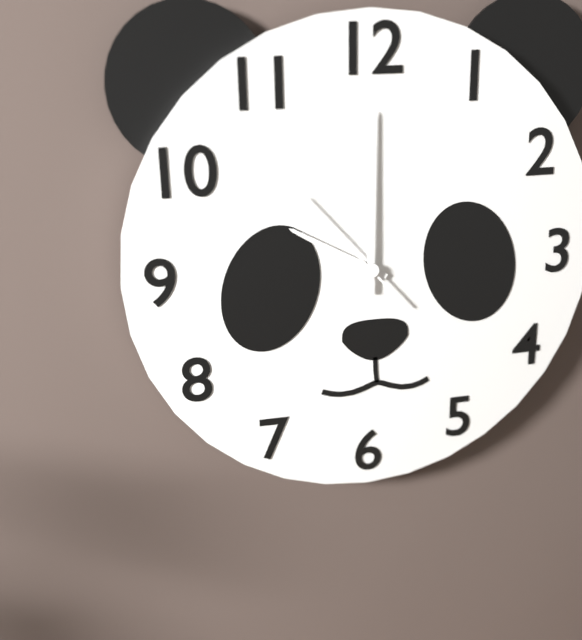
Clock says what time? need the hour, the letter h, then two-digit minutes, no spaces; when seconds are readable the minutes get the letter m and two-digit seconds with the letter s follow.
10h00m53s
